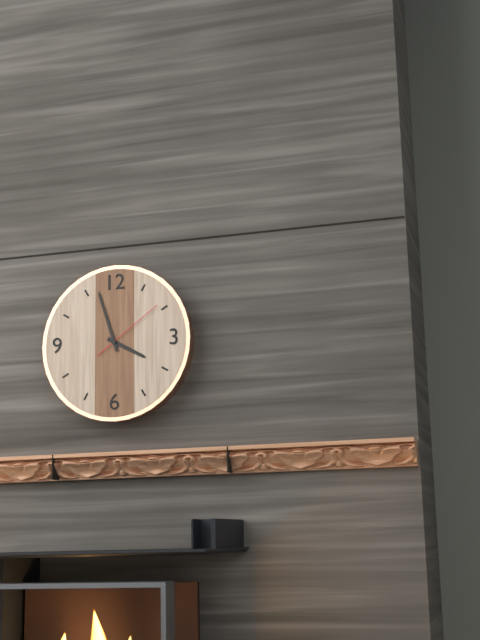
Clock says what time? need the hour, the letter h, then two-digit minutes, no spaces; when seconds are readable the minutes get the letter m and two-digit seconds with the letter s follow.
3h57m09s
